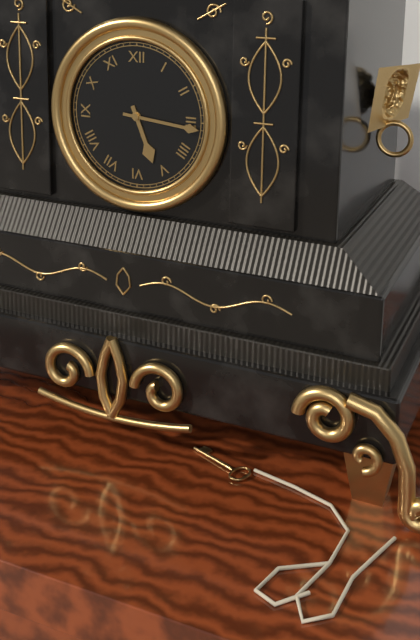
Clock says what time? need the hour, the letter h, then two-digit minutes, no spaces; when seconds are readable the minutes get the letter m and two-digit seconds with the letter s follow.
5h16
